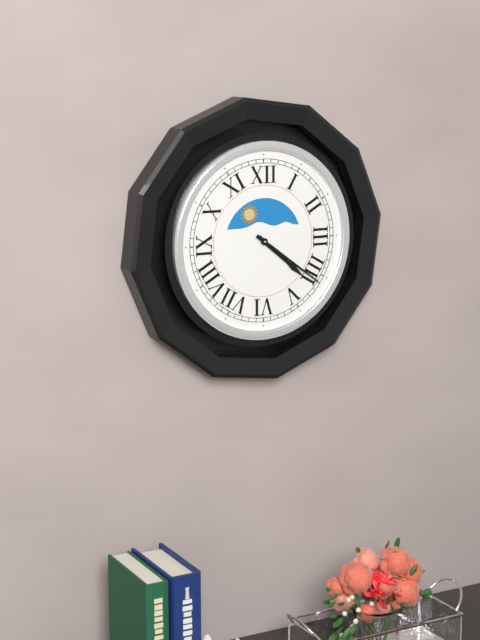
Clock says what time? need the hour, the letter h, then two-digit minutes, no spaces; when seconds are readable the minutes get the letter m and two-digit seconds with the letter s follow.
4h21
